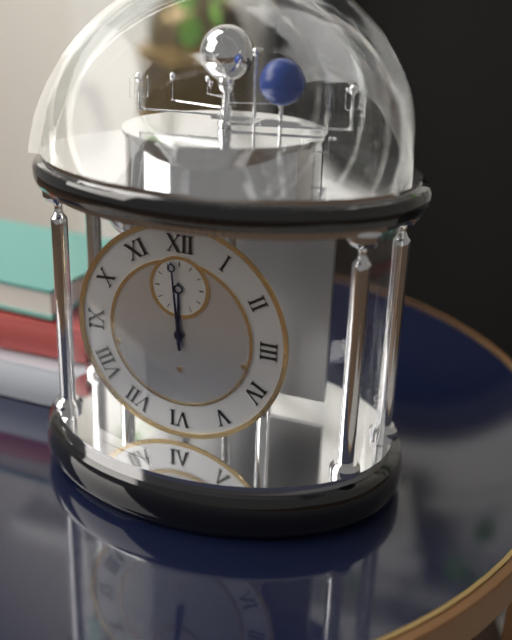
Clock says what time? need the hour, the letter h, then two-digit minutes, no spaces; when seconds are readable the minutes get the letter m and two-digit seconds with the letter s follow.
11h59
